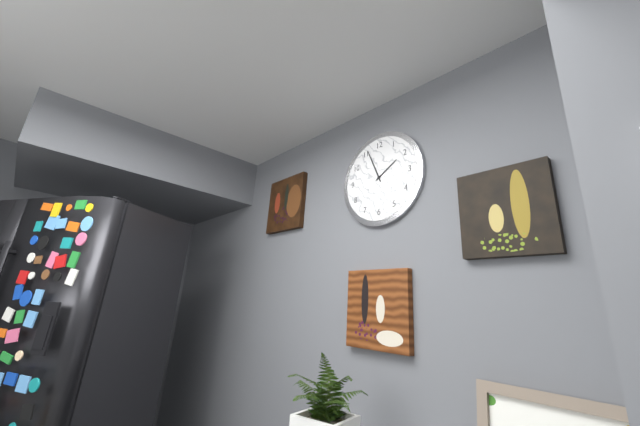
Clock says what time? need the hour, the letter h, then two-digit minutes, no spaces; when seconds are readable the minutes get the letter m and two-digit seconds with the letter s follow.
1h56
